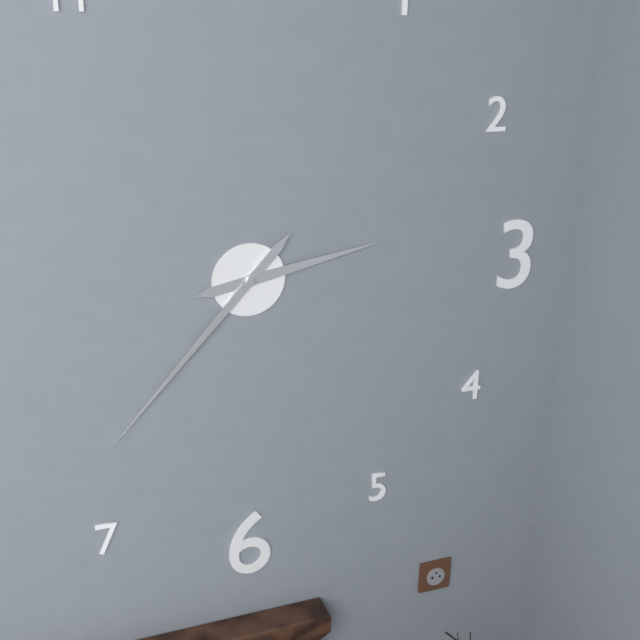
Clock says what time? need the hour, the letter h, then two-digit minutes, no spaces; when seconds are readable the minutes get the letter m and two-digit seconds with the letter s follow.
2h37
